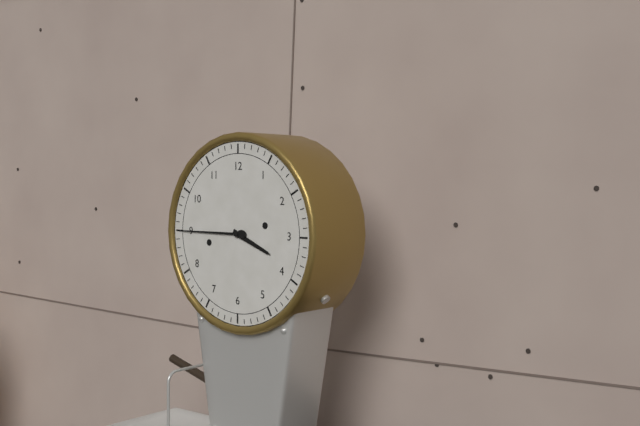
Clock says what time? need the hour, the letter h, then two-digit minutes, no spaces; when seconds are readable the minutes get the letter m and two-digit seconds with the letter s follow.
3h45
